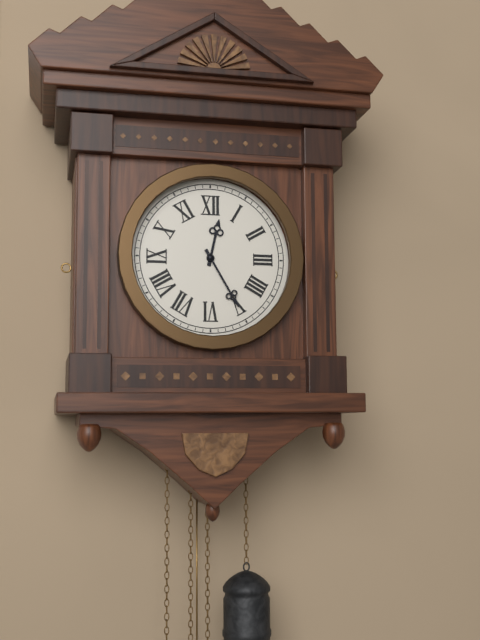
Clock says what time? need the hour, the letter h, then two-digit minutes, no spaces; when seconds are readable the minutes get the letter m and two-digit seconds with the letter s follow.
12h25
